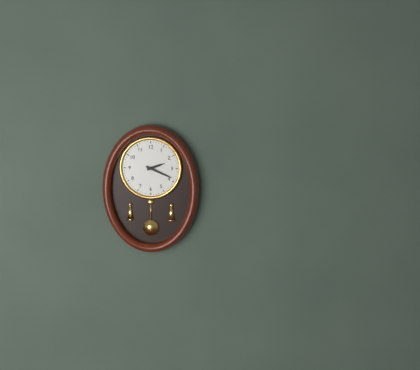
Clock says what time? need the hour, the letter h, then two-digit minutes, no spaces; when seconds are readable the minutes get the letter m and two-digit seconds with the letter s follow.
2h19
